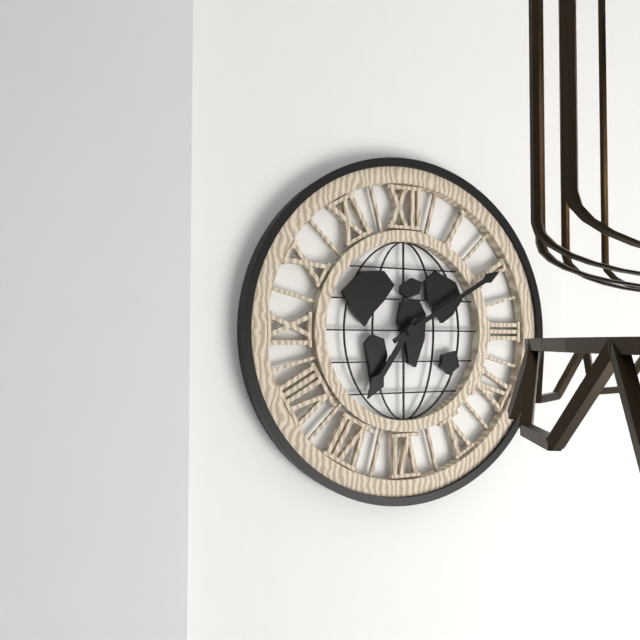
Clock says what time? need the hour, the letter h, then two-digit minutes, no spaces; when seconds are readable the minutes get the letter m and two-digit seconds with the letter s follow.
7h10
